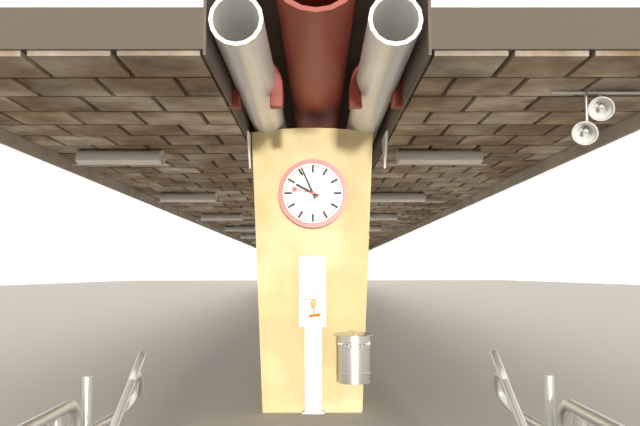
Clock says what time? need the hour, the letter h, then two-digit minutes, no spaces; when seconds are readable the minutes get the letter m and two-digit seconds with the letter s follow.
9h56
